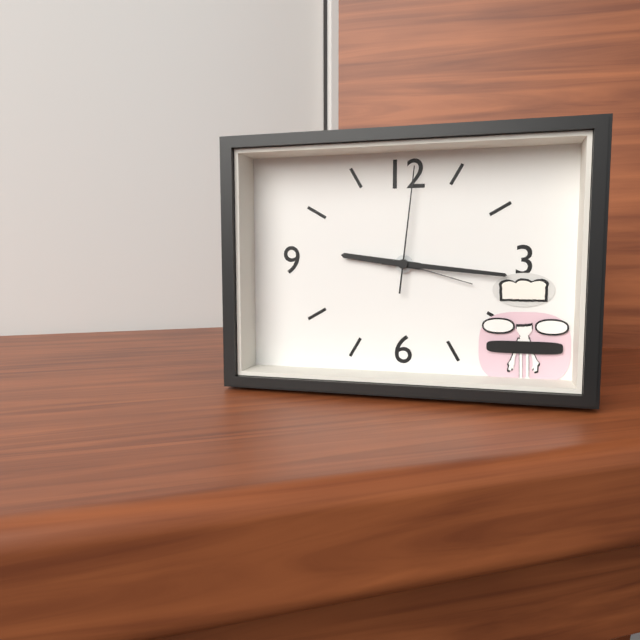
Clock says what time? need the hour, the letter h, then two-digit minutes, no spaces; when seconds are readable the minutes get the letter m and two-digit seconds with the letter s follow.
9h16m01s
